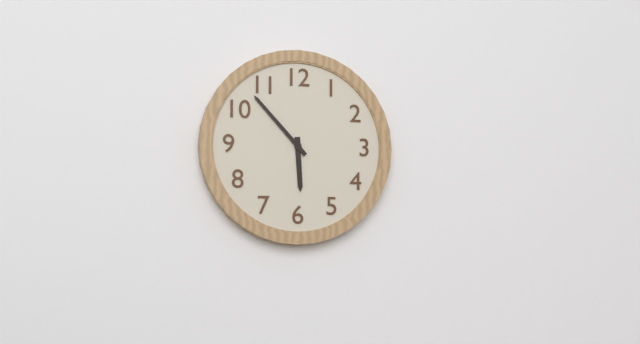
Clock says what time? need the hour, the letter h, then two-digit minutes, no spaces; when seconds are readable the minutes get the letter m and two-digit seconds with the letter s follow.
5h53
